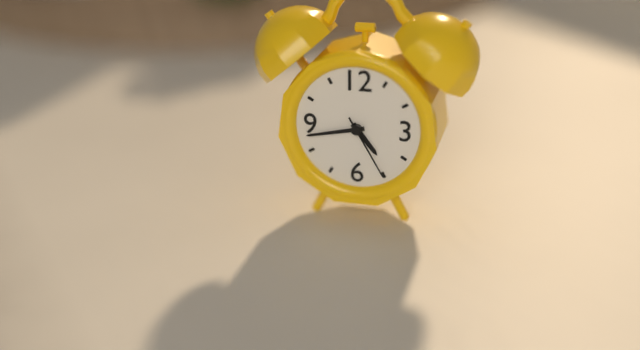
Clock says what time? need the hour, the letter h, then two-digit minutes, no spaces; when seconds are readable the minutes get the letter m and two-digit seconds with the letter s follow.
4h43m25s
